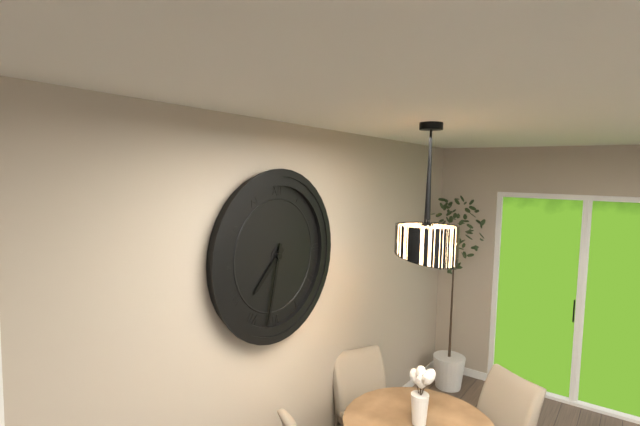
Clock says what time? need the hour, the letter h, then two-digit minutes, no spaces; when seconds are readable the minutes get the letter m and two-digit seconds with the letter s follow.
7h32
